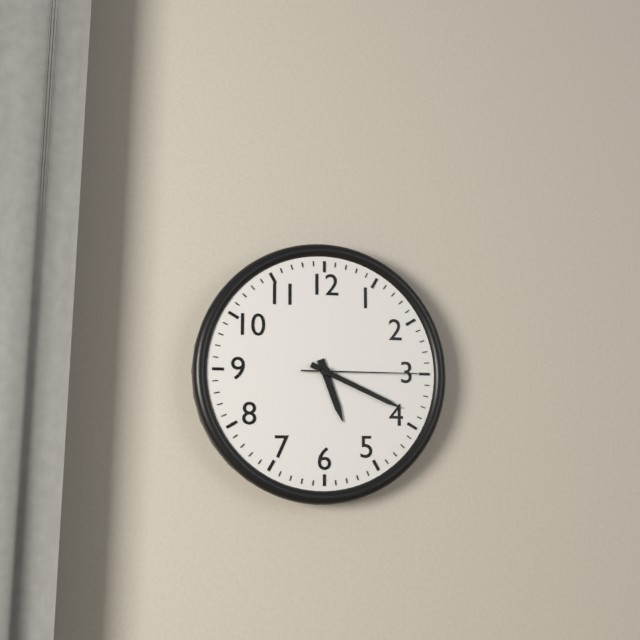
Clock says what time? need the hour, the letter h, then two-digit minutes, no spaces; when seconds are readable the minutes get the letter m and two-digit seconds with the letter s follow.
5h19m15s
